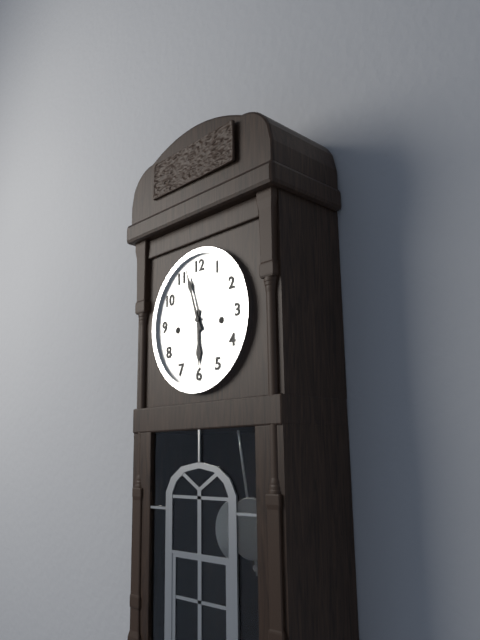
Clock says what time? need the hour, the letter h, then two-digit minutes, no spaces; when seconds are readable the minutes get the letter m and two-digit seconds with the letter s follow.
5h57
